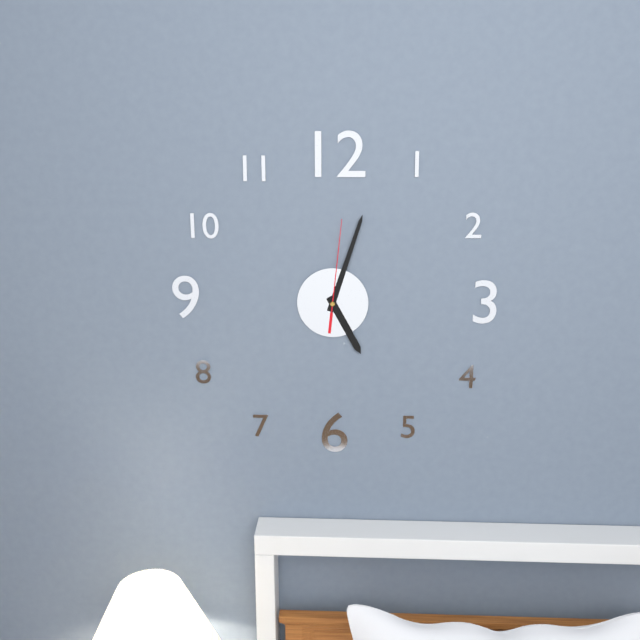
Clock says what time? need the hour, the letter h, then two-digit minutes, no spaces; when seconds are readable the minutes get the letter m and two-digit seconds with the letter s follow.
5h03m01s
